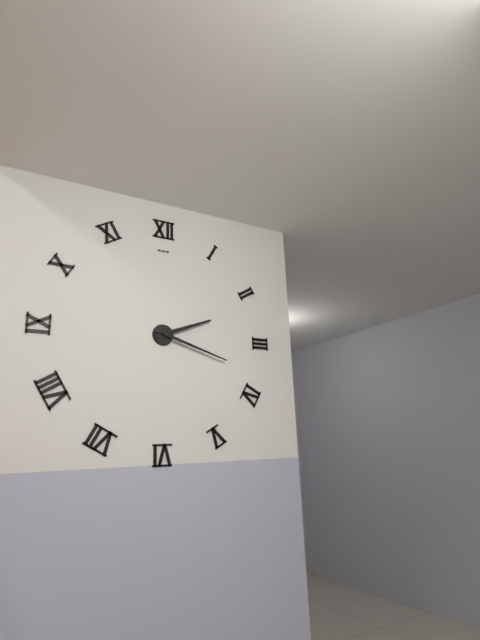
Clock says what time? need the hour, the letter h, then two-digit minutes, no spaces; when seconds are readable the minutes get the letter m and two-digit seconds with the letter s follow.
2h18
